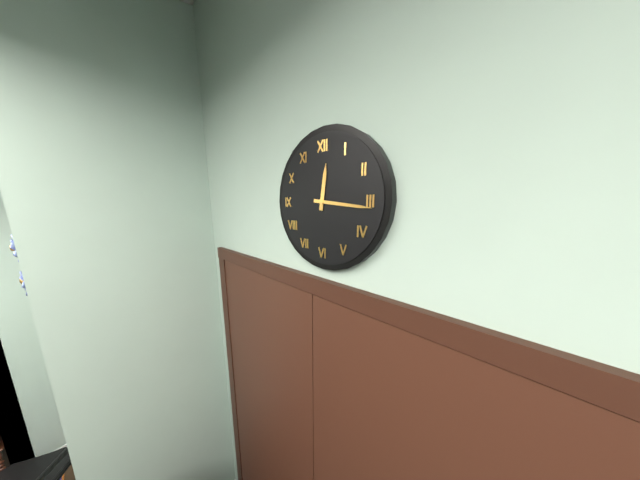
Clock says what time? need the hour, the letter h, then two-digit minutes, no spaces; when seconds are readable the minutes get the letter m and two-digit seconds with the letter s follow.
12h16
